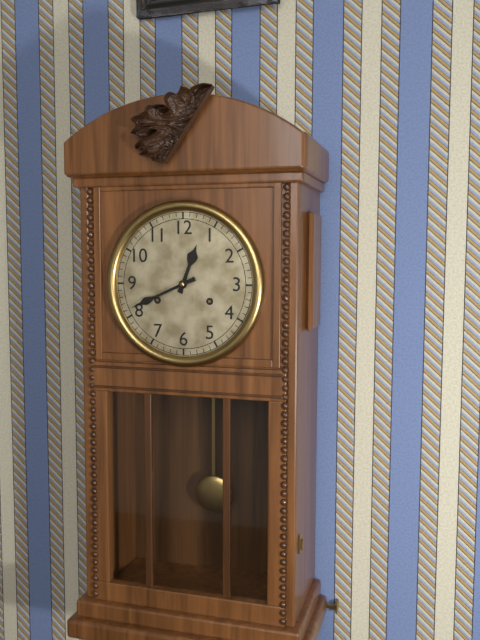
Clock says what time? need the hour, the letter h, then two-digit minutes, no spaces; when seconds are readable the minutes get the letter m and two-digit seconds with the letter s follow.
12h41
